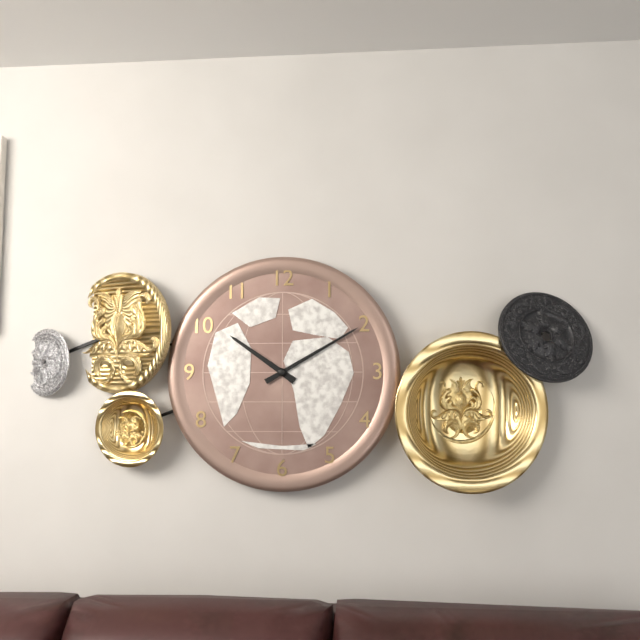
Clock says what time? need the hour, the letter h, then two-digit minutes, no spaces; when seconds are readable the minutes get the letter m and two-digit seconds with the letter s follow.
10h10
